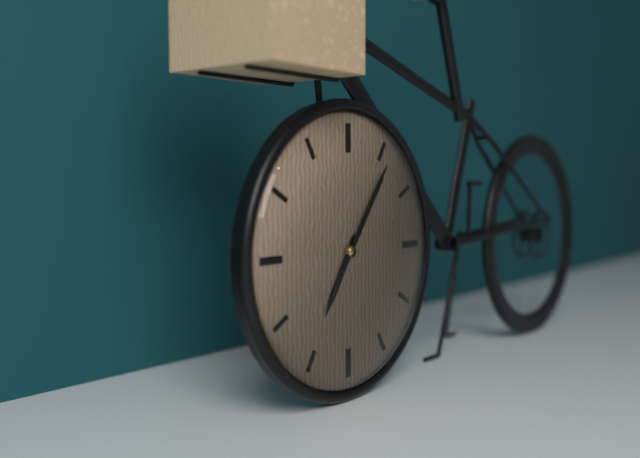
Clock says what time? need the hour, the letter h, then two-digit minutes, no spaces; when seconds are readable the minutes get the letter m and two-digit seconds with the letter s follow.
7h06
